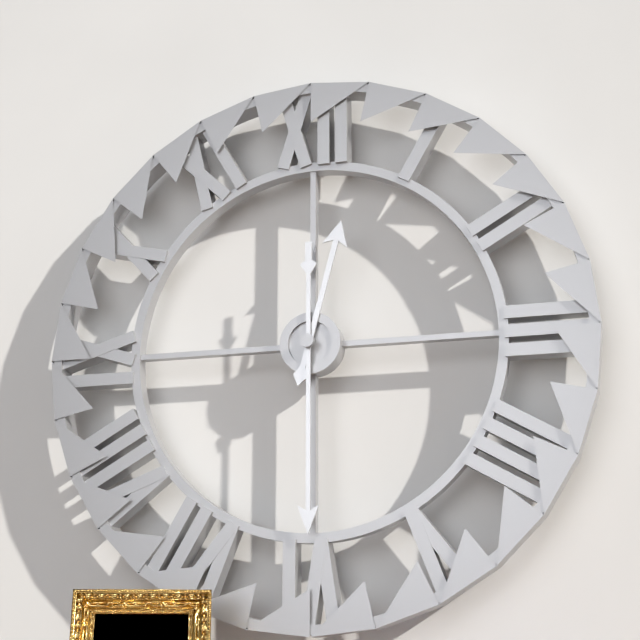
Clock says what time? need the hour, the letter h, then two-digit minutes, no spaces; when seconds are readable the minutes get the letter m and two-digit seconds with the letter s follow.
12h30
